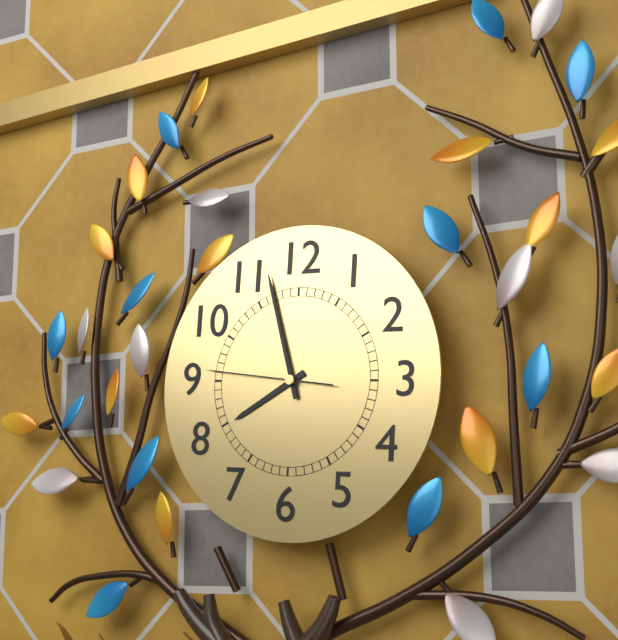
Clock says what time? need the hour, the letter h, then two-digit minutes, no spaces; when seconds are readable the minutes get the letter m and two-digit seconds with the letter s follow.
7h57m46s
